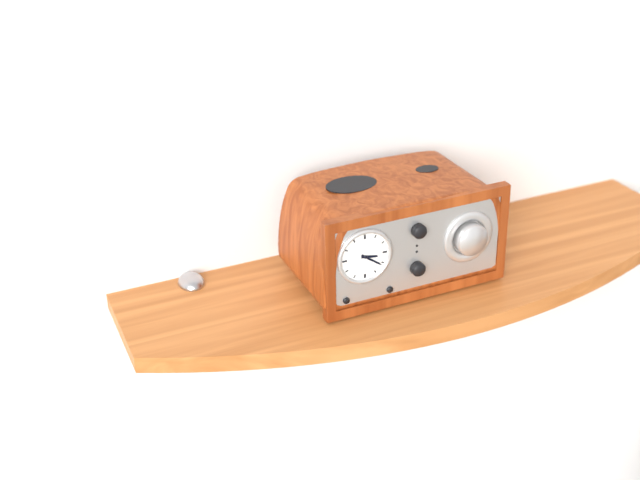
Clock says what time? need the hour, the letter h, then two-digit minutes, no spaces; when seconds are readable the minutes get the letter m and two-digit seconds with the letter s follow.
3h21
